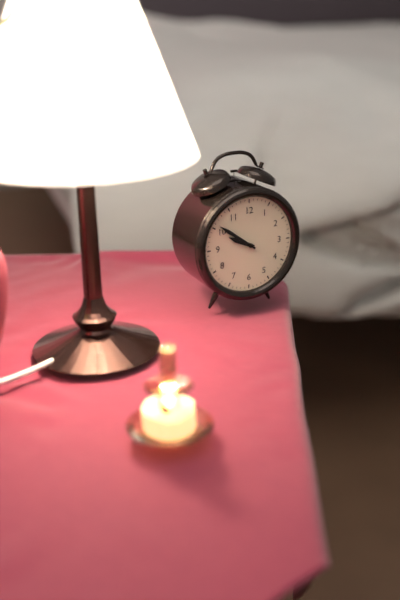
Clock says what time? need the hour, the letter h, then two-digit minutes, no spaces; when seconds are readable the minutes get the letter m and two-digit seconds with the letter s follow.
9h51
